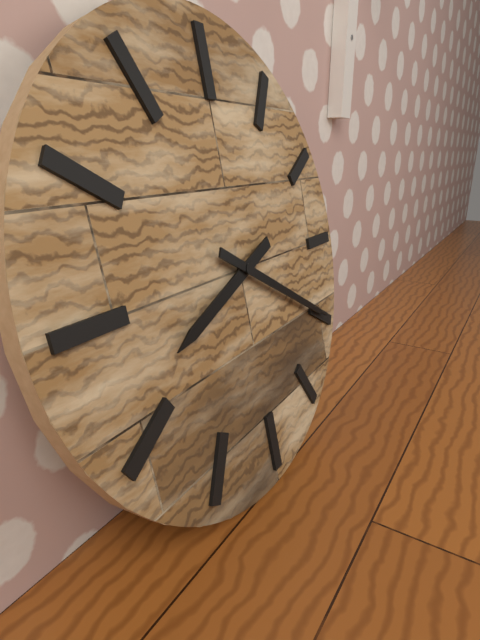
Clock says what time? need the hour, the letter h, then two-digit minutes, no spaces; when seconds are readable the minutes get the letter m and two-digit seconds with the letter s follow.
8h20
